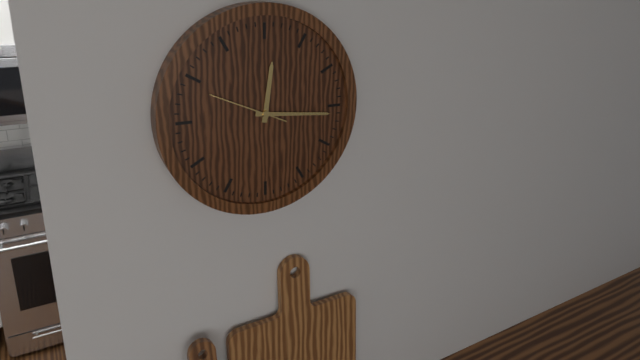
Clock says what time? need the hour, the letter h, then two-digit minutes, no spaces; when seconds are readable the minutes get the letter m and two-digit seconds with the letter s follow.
12h16m49s
